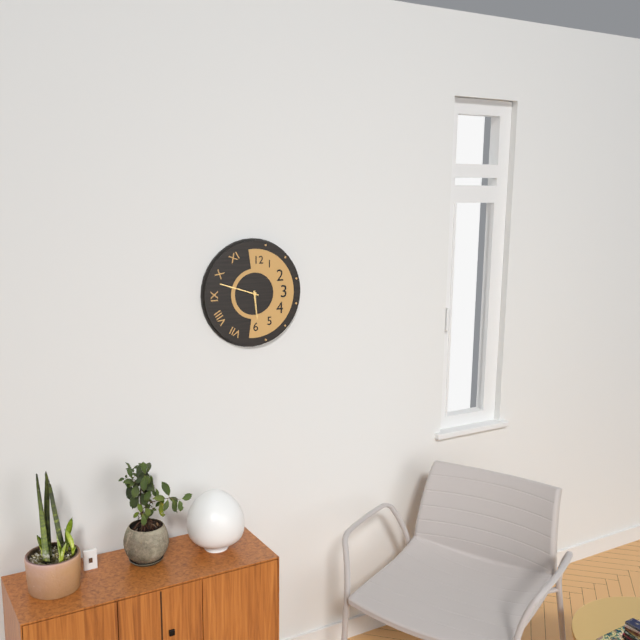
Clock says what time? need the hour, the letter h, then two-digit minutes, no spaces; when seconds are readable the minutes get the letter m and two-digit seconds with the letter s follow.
5h48
